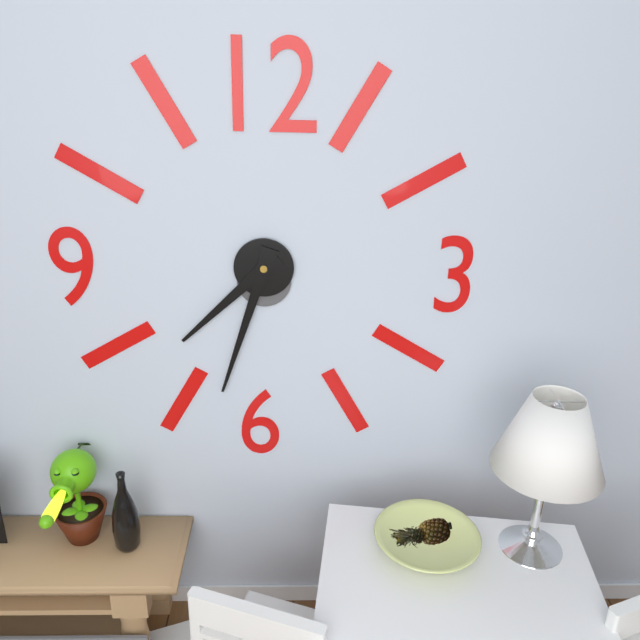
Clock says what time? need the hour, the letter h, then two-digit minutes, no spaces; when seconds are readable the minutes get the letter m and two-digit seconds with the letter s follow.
7h33
